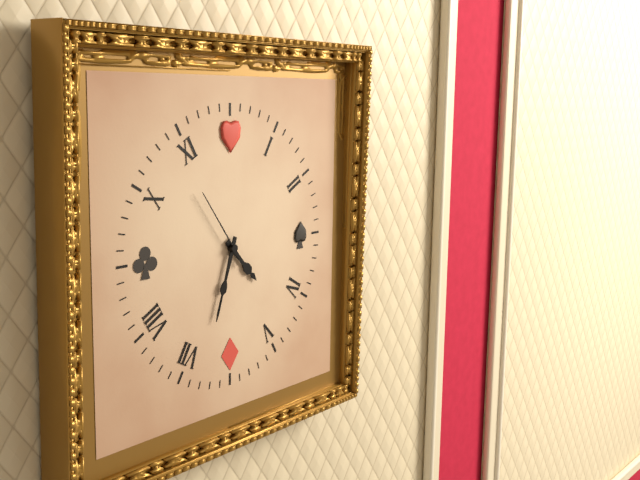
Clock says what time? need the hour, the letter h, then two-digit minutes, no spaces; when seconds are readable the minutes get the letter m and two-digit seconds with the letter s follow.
4h33m54s
